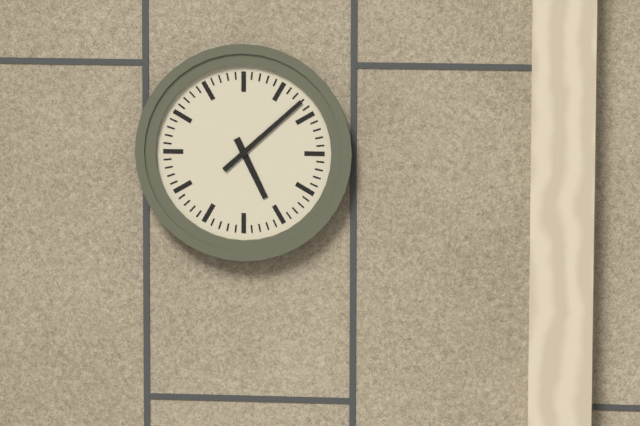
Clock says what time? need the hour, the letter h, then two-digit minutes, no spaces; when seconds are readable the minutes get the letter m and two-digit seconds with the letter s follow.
5h08
